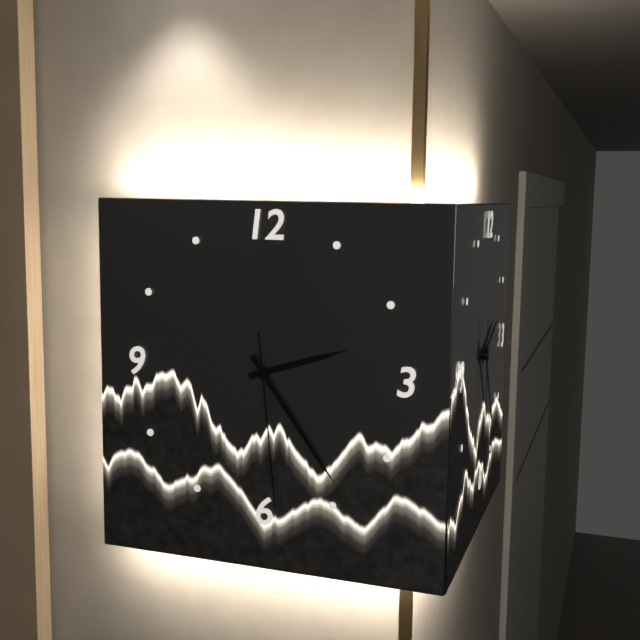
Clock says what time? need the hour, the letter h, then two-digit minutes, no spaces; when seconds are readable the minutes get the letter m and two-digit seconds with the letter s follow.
2h24m29s
